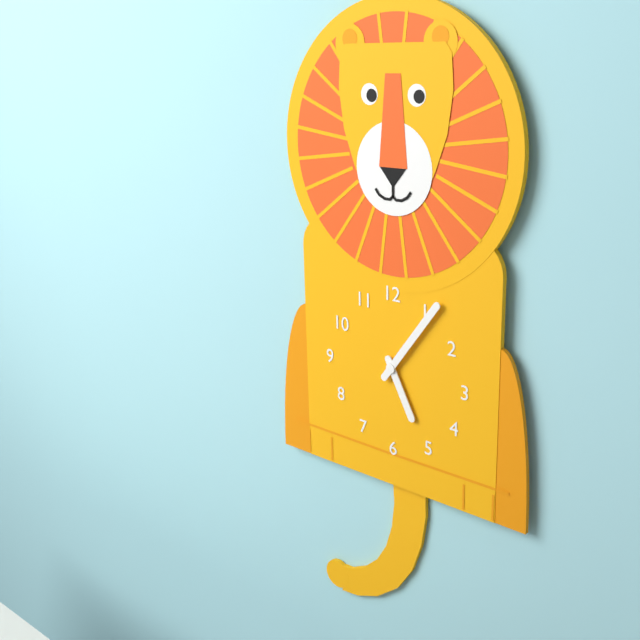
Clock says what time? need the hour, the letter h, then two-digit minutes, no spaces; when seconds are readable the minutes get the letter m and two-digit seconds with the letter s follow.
5h06
